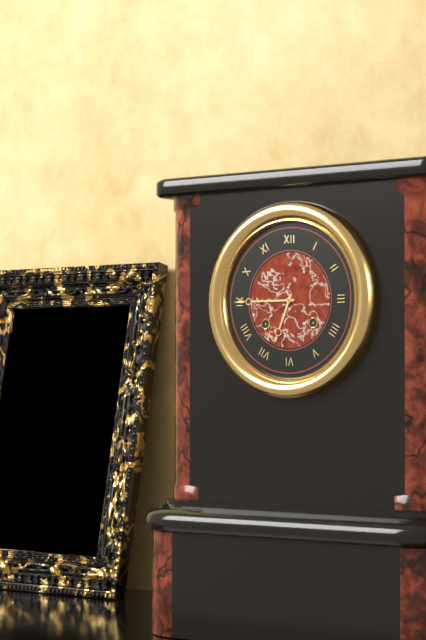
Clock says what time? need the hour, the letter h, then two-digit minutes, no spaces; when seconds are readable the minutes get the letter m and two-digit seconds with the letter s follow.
6h45
